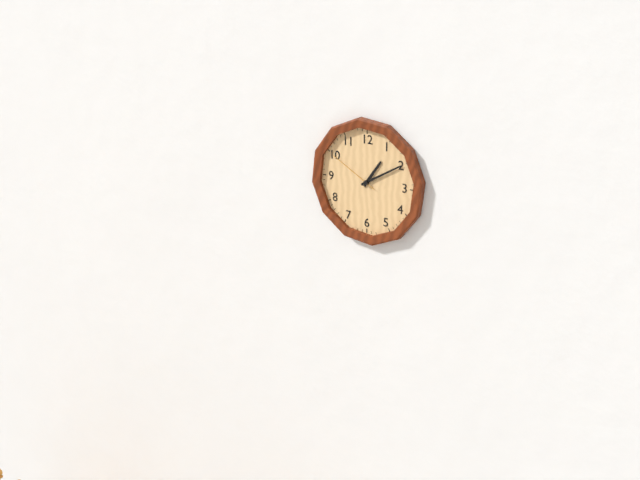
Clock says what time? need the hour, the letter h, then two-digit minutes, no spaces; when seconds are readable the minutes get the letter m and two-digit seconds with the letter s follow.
1h10m50s
